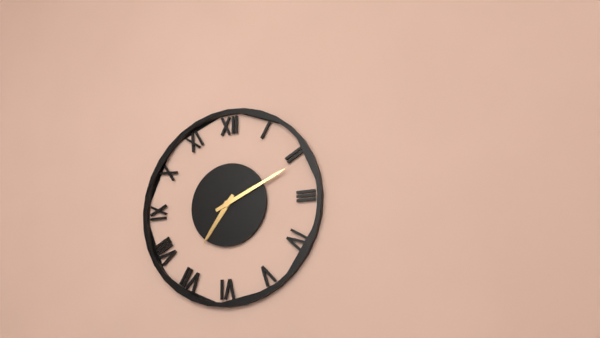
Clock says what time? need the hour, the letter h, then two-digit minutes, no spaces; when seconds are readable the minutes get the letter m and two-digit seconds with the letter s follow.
7h11
